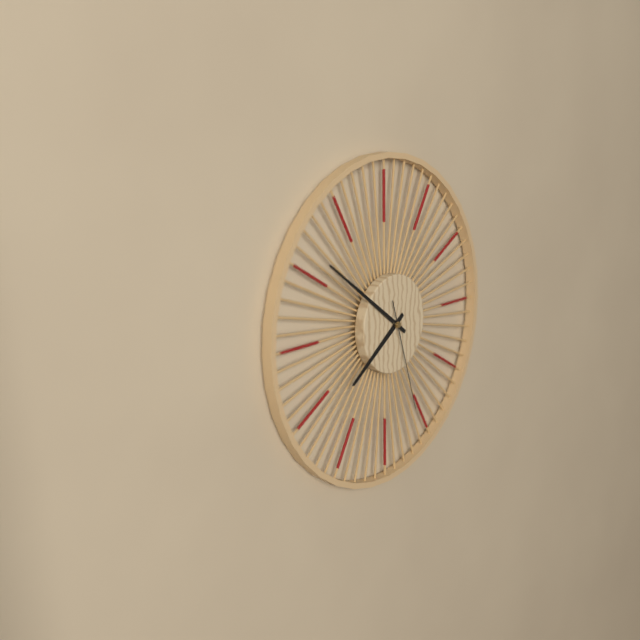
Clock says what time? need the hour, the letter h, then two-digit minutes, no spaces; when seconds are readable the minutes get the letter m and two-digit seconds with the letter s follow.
7h51m27s
